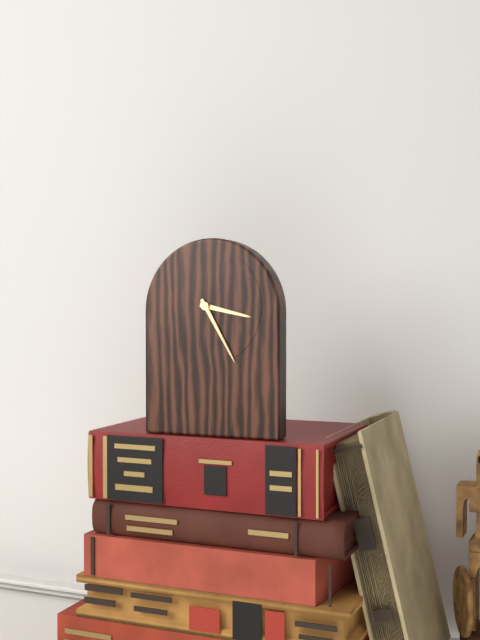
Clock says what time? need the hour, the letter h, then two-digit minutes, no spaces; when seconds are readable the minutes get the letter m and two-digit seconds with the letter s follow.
3h25
